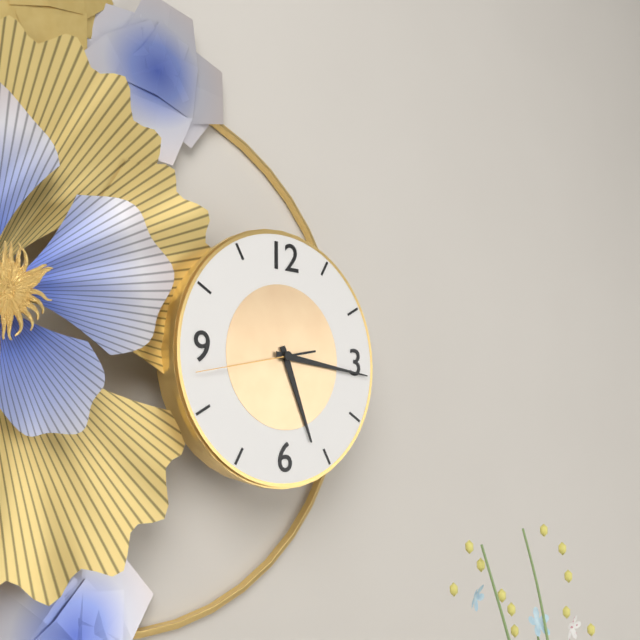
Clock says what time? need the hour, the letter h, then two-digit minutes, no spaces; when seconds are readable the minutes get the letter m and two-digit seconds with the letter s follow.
5h16m43s
